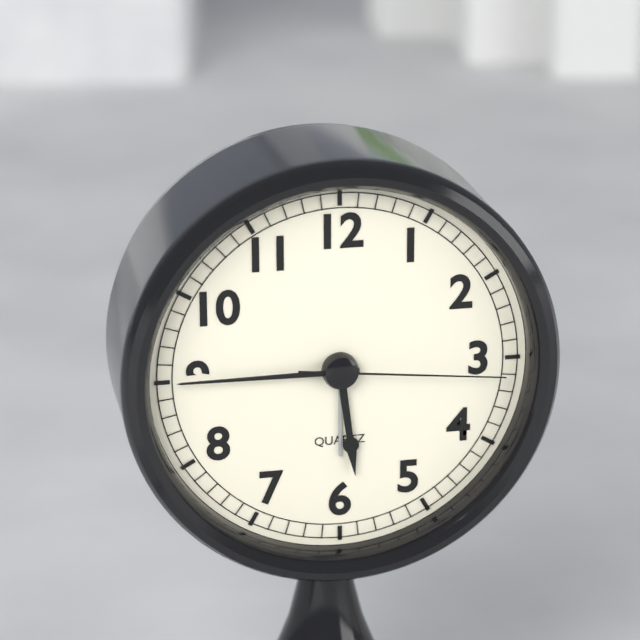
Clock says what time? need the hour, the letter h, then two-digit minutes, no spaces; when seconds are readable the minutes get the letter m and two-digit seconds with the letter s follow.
5h45m16s
